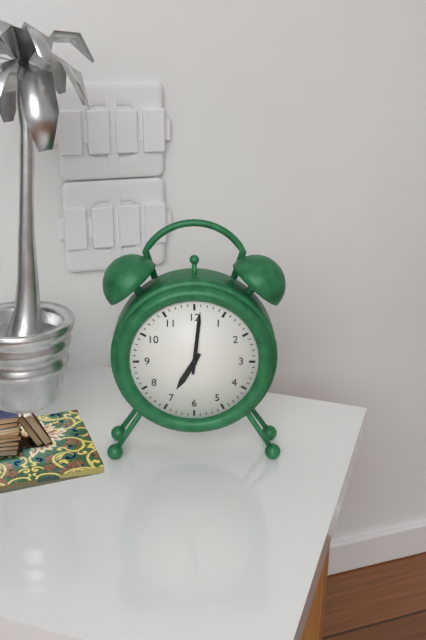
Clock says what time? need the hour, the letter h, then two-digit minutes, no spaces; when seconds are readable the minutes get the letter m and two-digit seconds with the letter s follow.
7h01
